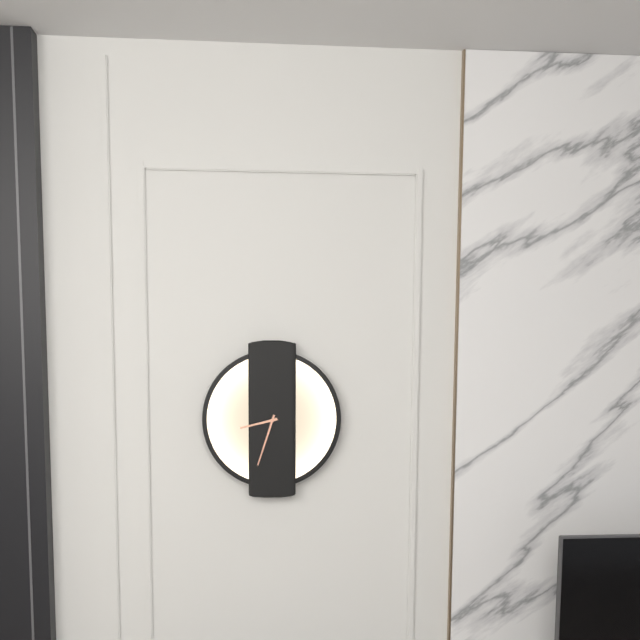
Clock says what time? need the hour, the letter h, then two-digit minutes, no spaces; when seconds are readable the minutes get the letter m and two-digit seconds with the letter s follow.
8h33
